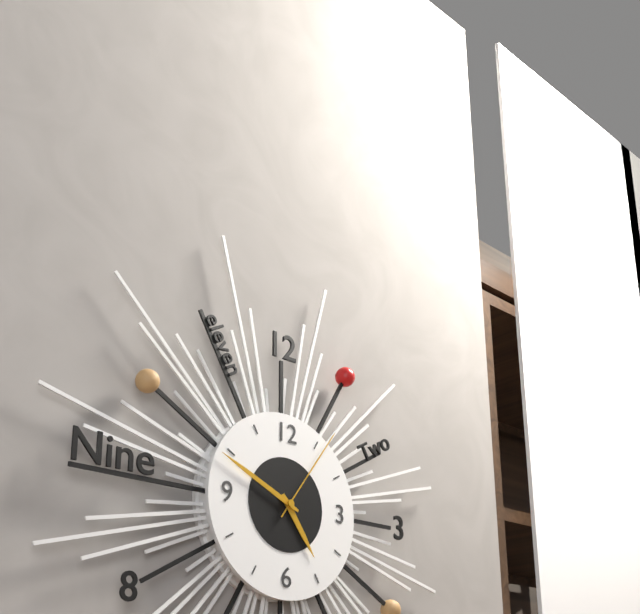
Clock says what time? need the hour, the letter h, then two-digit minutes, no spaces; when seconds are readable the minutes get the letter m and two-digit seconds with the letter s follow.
4h49m06s
